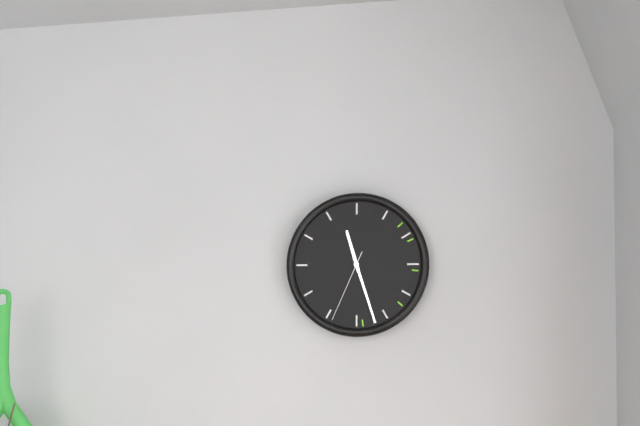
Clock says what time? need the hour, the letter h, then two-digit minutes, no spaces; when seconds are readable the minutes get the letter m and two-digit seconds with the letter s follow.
11h27m34s
